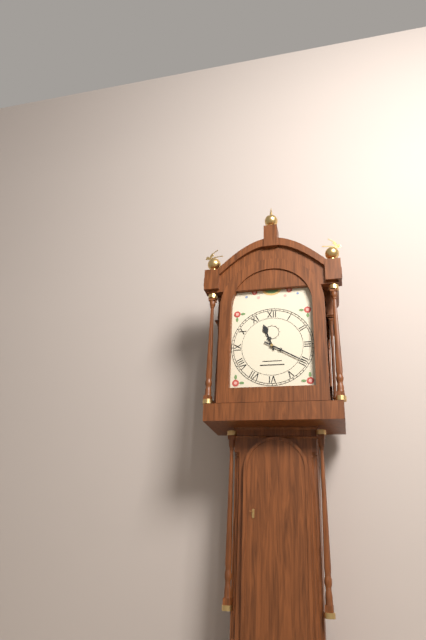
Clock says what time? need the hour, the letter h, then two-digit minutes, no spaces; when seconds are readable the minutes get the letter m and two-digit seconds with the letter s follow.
11h20
